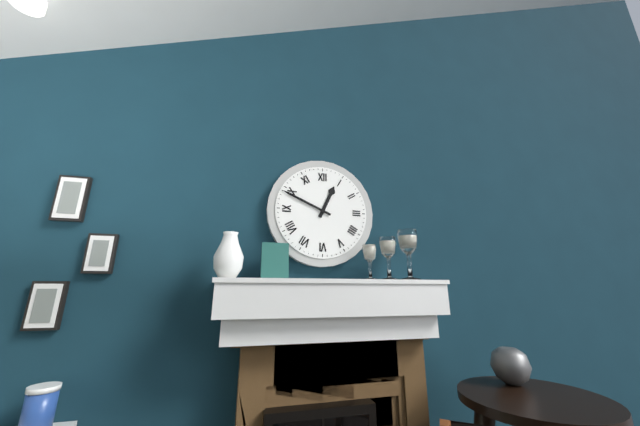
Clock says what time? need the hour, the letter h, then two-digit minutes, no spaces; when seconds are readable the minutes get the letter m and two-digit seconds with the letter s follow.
12h49
